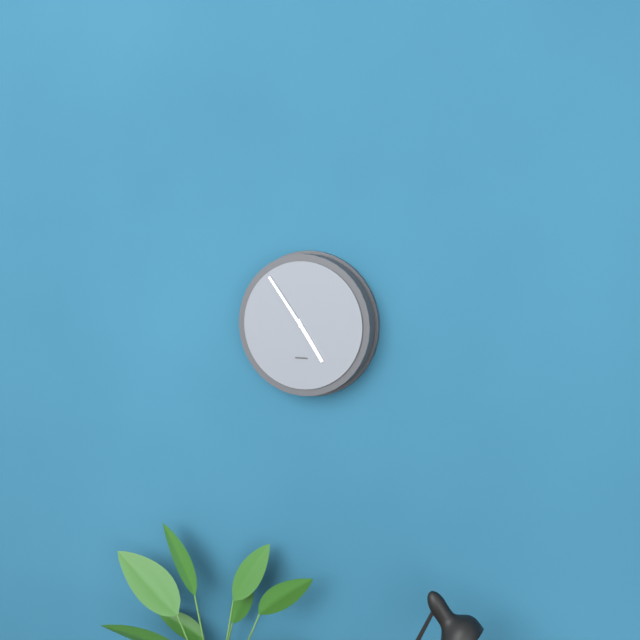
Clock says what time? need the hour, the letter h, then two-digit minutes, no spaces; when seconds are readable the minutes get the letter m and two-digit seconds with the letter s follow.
4h54
